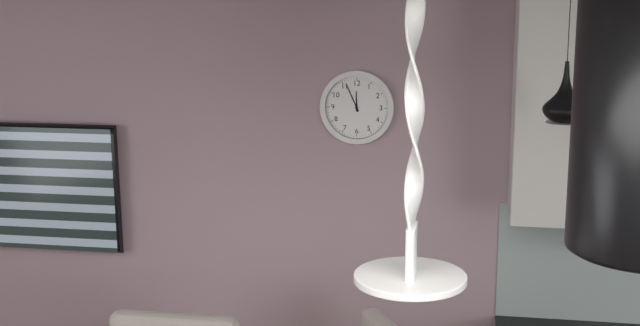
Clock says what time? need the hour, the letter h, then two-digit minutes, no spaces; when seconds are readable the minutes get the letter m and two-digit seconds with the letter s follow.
11h56
